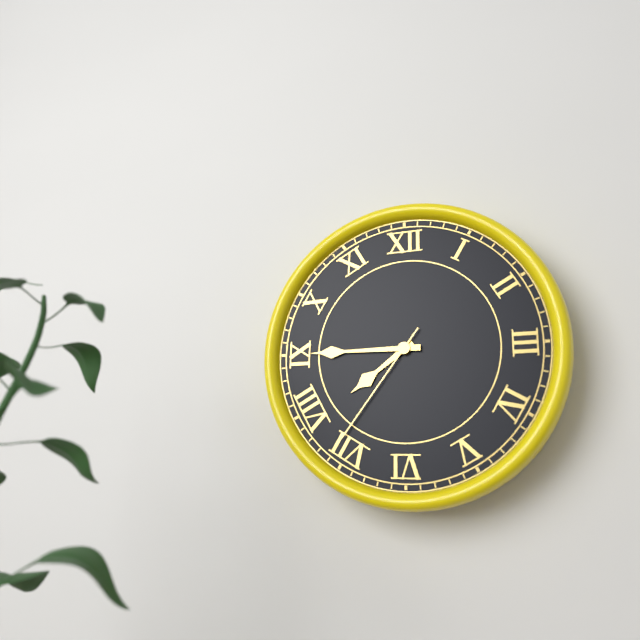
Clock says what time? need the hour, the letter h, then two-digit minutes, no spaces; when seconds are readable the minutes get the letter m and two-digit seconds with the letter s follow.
7h45m36s
